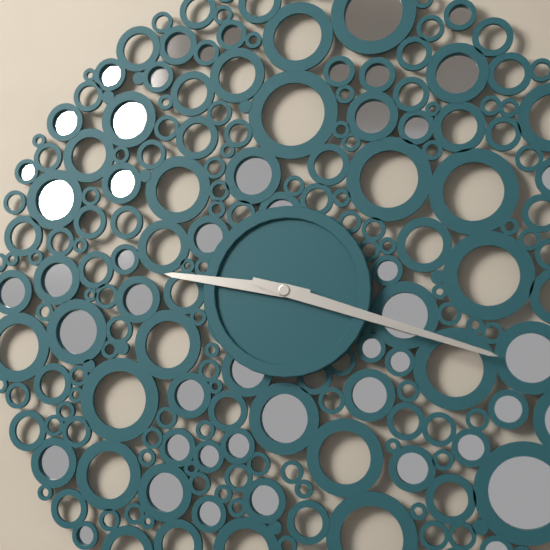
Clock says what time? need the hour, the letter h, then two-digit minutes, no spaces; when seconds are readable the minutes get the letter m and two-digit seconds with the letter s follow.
9h18
